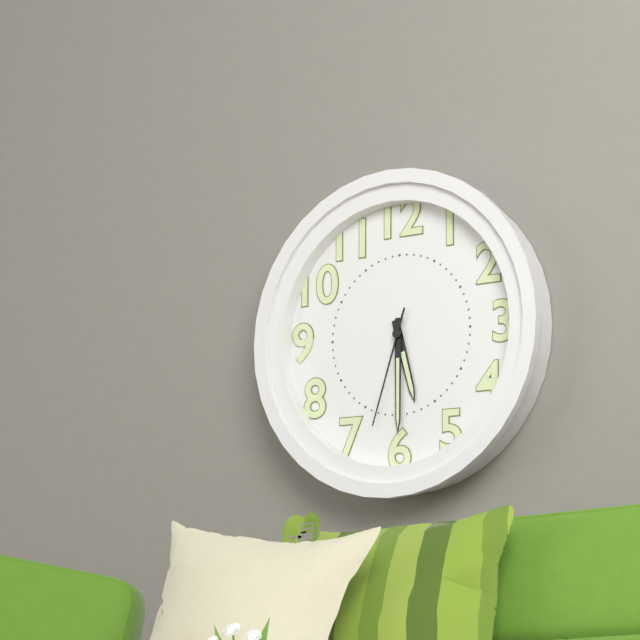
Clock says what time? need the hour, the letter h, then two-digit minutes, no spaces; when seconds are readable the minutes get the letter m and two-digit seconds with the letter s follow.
5h30m33s
